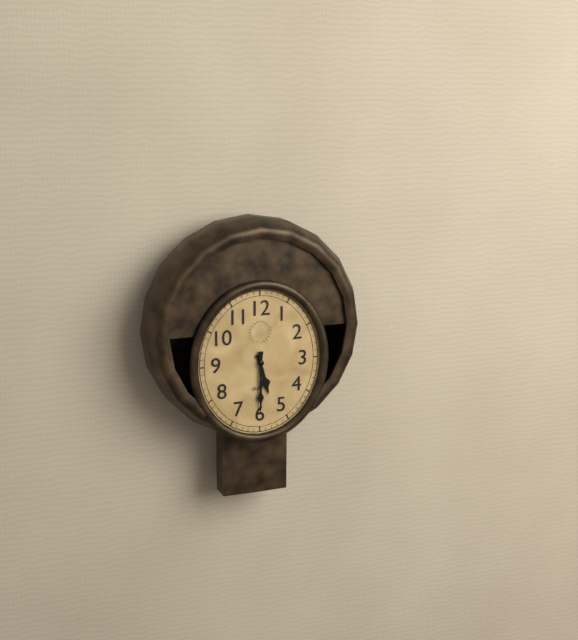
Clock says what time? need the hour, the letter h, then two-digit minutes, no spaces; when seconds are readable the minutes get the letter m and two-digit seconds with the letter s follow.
5h30
